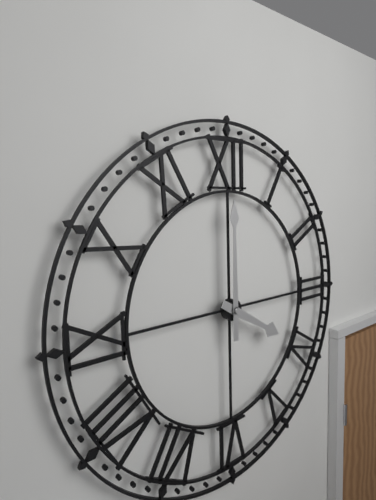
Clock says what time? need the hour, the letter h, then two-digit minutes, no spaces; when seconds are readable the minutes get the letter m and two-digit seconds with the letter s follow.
4h00
